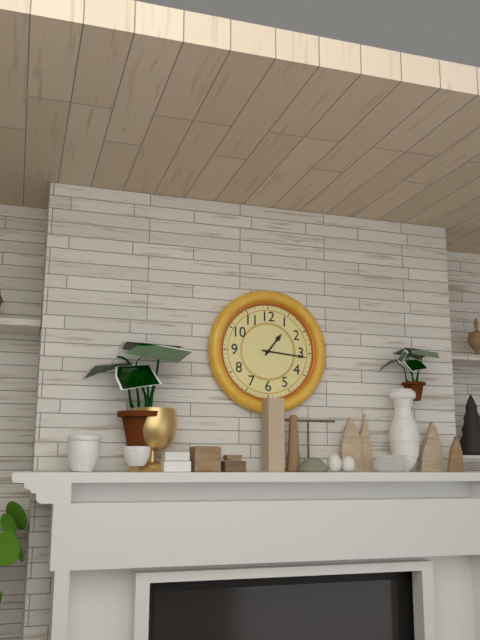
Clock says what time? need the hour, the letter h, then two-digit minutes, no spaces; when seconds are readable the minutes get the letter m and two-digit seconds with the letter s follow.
1h16
